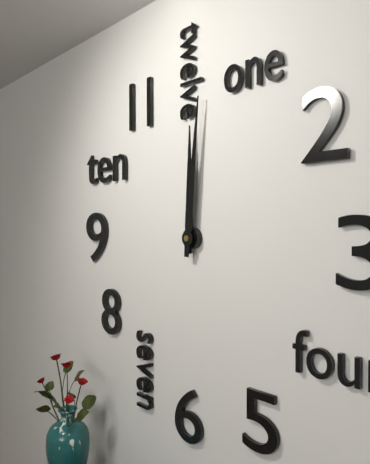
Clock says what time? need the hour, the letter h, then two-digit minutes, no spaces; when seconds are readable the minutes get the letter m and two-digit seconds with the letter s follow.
12h01
